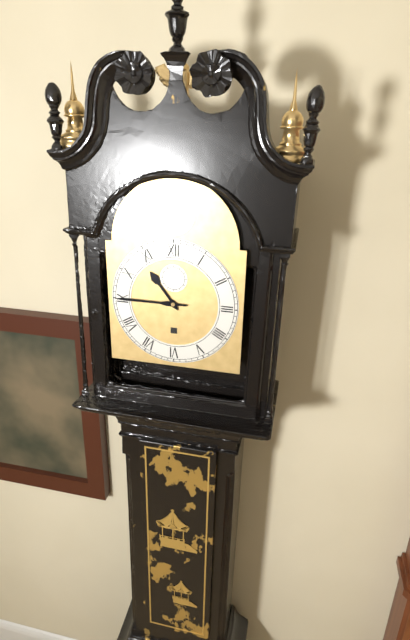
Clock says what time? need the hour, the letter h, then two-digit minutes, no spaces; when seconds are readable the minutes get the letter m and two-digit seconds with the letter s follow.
10h45
